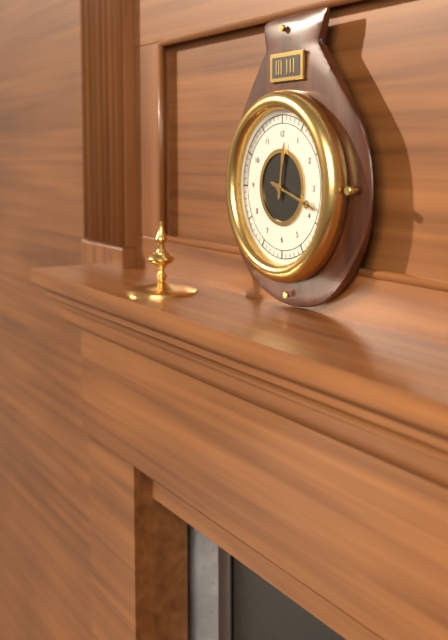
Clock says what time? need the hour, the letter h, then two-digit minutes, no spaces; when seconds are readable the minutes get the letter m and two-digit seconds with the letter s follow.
12h18
